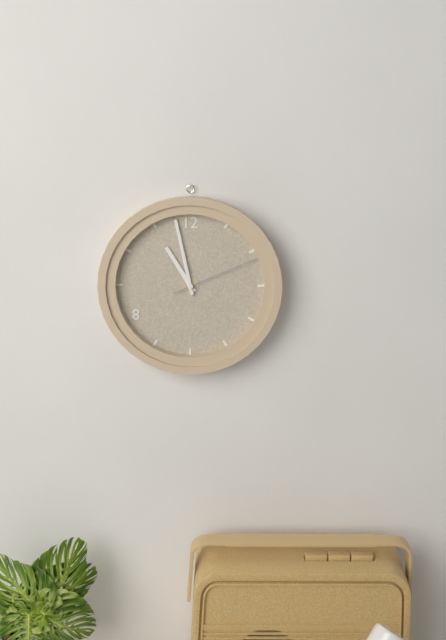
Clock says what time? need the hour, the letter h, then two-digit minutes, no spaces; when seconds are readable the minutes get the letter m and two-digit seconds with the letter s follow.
10h58m11s
